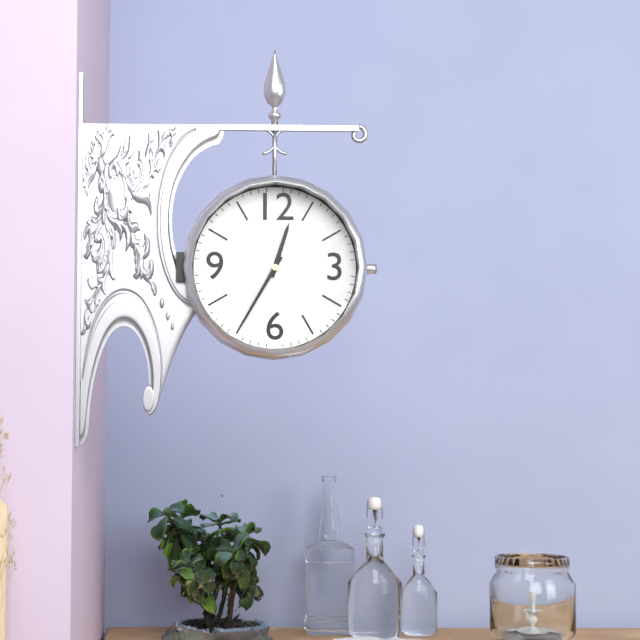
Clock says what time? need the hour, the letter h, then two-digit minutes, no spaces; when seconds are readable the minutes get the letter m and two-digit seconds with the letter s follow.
12h35
